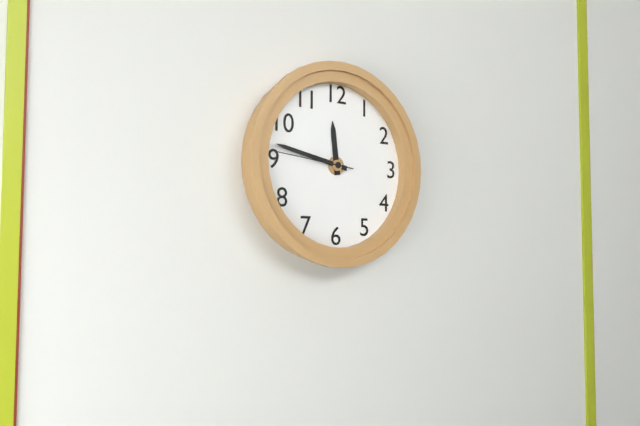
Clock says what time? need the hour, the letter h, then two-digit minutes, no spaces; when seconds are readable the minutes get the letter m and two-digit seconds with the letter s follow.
11h47m46s
